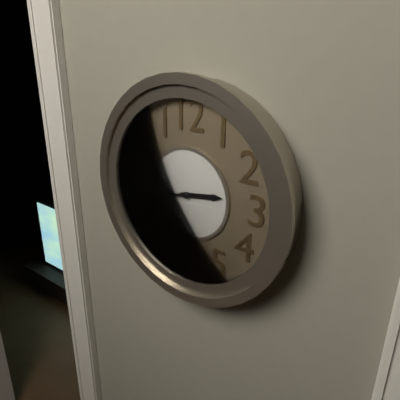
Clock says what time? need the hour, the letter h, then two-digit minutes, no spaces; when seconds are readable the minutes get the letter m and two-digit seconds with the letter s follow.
2h43
